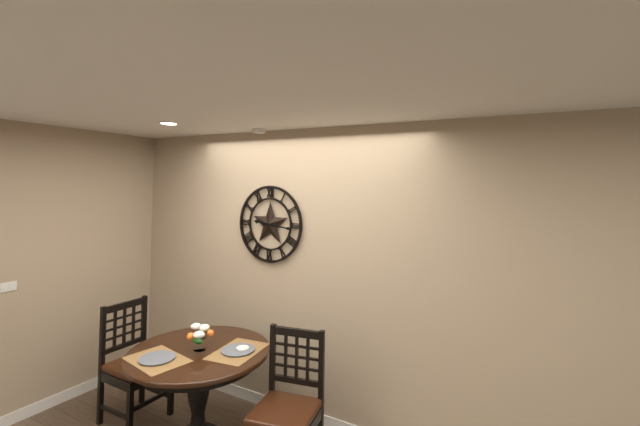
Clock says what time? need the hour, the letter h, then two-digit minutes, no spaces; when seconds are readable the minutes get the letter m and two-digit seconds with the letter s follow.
9h16
